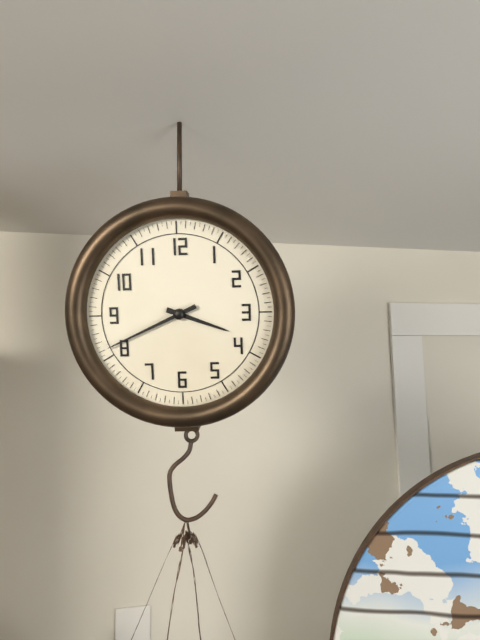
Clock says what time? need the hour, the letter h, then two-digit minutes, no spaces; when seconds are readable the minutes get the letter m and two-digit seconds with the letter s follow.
3h41
